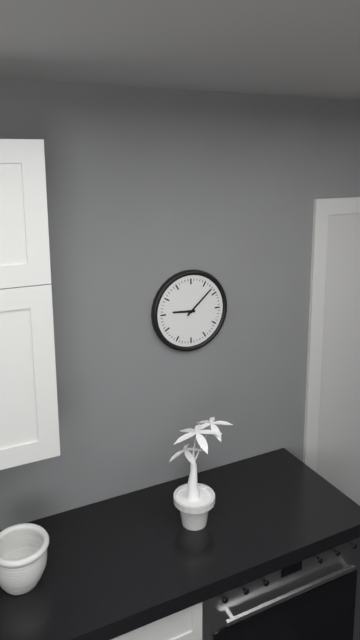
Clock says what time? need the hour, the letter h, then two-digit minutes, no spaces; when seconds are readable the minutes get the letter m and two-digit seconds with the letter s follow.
9h08
